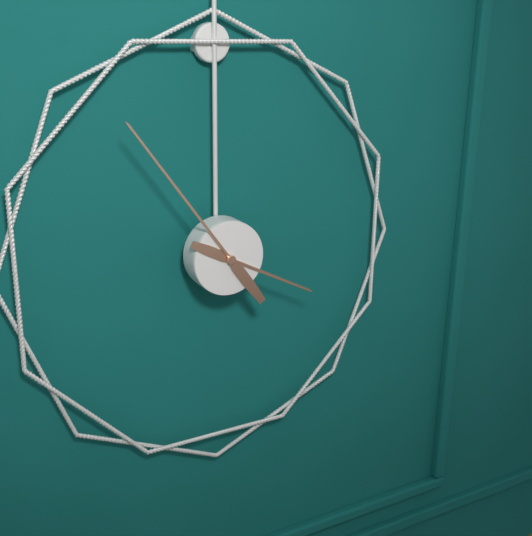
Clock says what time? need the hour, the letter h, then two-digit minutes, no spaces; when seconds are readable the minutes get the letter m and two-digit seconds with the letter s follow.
3h54
